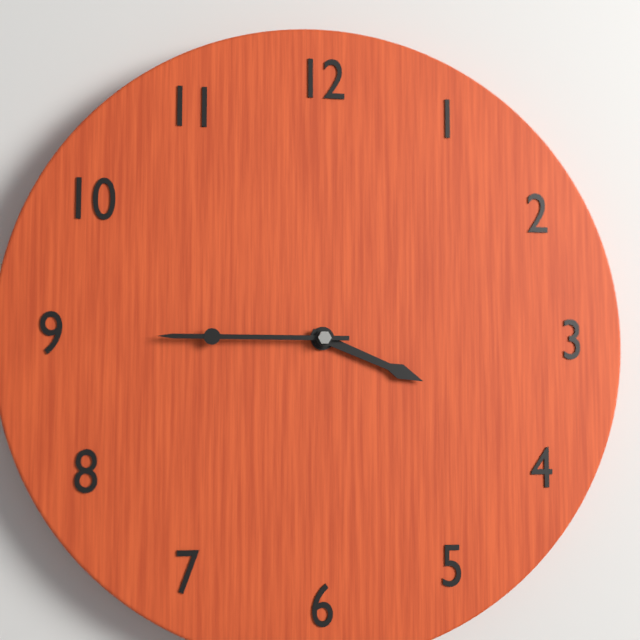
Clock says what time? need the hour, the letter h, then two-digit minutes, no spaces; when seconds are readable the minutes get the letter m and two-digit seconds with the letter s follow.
3h45
